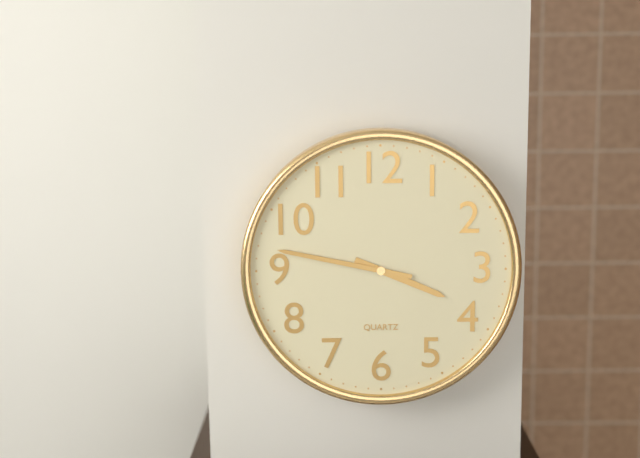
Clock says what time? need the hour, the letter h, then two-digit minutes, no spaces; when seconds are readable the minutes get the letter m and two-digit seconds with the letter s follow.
3h47
